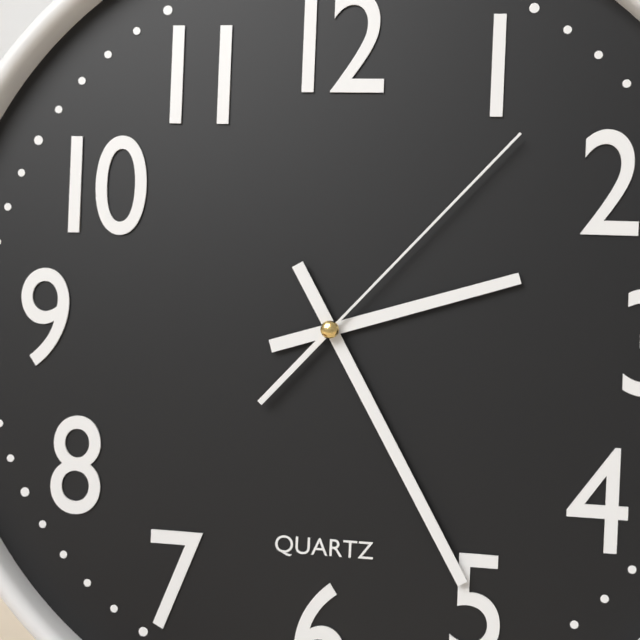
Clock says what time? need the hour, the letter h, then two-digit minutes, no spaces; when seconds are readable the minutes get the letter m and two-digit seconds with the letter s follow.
2h25m07s
